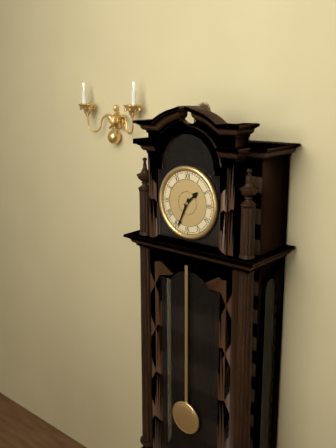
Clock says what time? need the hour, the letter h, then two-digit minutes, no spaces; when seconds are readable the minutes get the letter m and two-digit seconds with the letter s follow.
1h34
